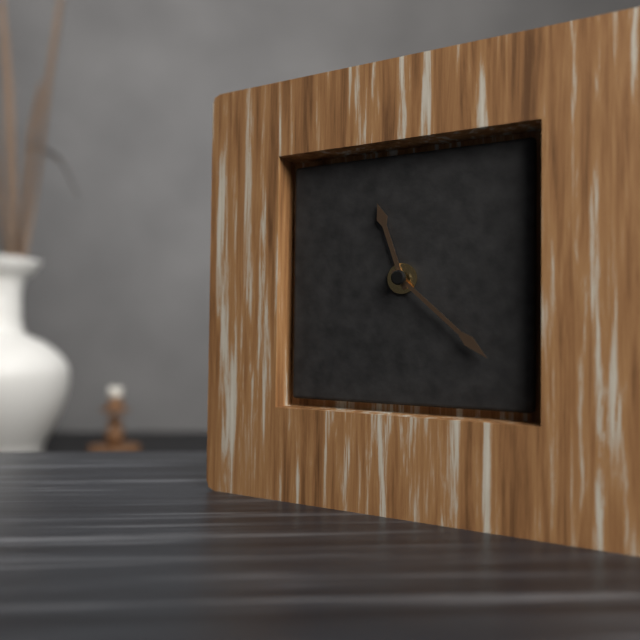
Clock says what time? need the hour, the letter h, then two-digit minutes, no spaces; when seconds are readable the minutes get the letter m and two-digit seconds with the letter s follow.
11h22
